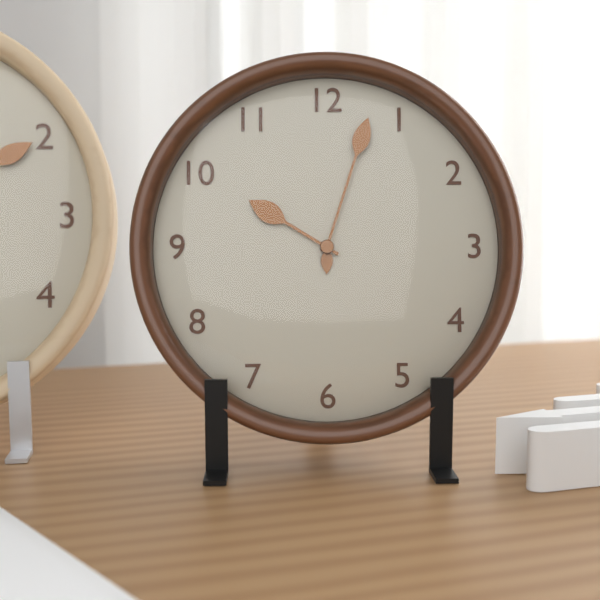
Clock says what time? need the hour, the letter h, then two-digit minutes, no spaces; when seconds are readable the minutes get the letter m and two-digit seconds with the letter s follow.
10h03
